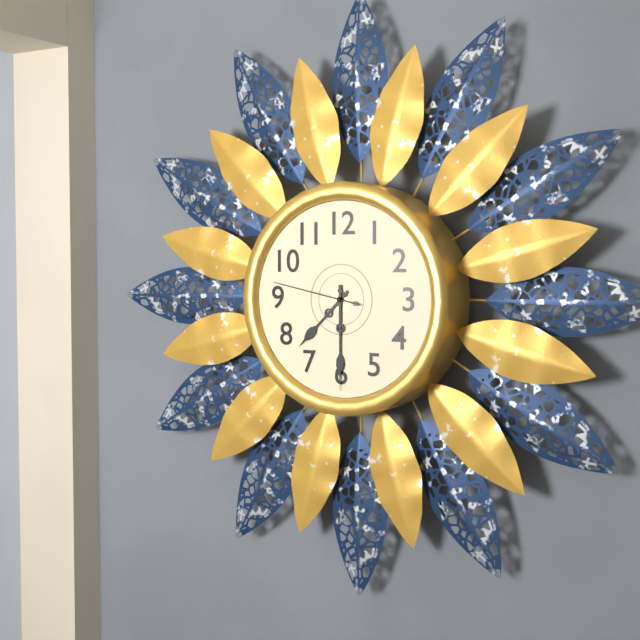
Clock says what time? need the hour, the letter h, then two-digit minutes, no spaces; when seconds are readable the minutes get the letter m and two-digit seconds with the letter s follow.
7h30m47s
